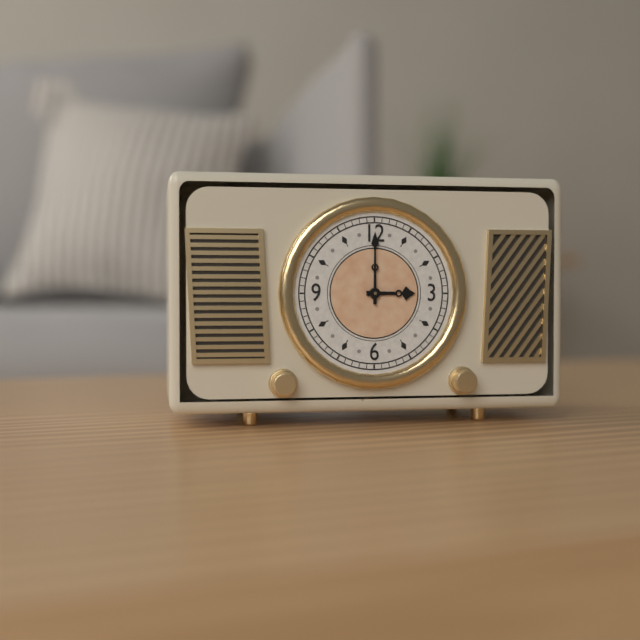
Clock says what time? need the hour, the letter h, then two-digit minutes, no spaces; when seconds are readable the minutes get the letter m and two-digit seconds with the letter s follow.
3h00
